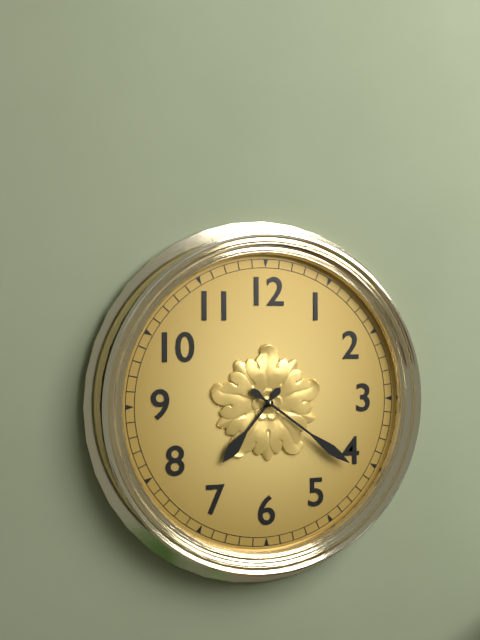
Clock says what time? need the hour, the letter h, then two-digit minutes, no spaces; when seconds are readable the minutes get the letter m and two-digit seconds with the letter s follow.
7h21
